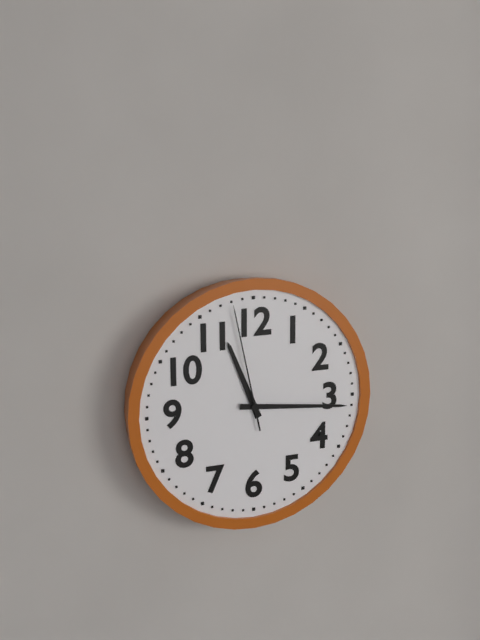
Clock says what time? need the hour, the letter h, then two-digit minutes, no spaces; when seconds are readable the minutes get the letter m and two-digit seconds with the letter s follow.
11h16m58s
